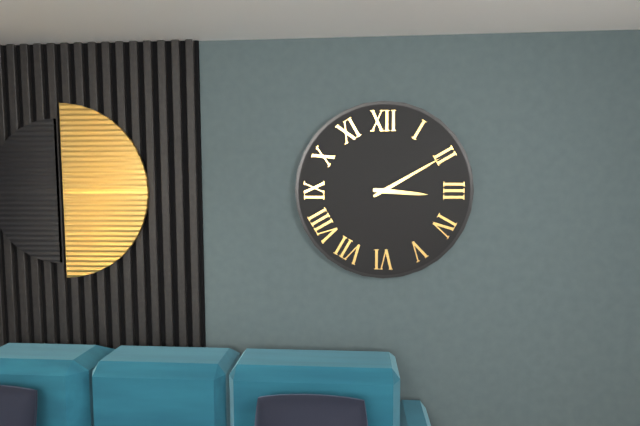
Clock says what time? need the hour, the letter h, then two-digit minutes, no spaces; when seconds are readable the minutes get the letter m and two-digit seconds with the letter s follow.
3h10
